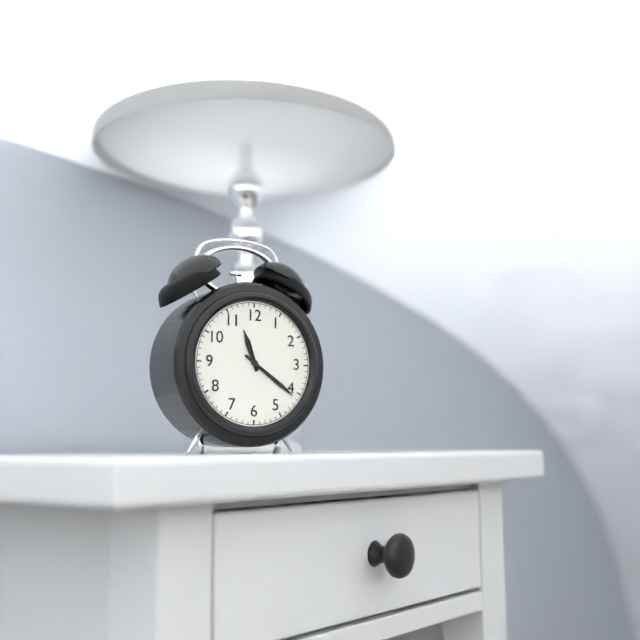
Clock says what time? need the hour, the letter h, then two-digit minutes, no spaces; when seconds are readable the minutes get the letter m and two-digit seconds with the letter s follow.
11h21
